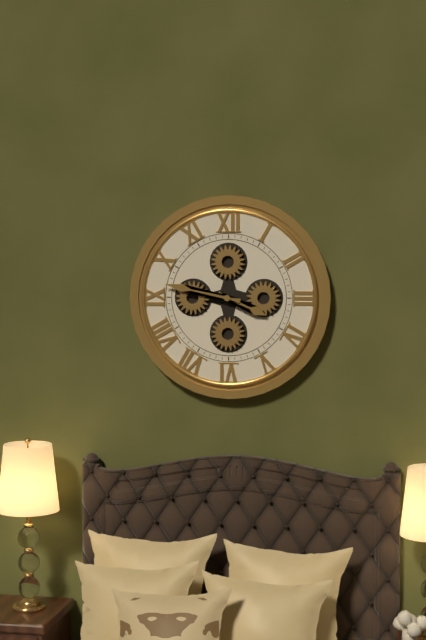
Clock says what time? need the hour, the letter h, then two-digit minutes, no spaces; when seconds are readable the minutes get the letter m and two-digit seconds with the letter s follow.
3h47
